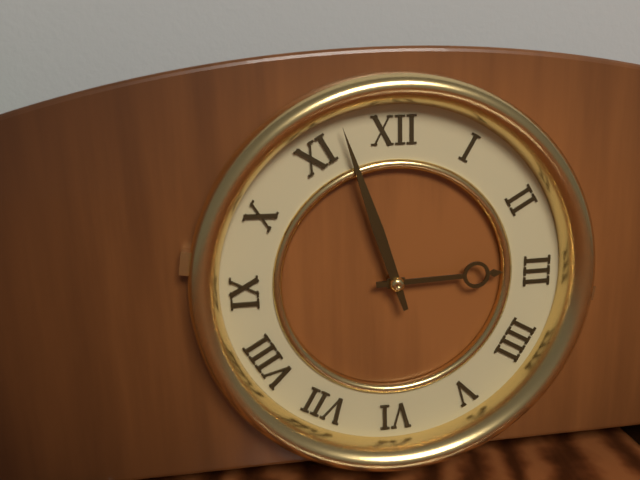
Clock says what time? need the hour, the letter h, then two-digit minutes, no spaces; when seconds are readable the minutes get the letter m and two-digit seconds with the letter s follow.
2h57
